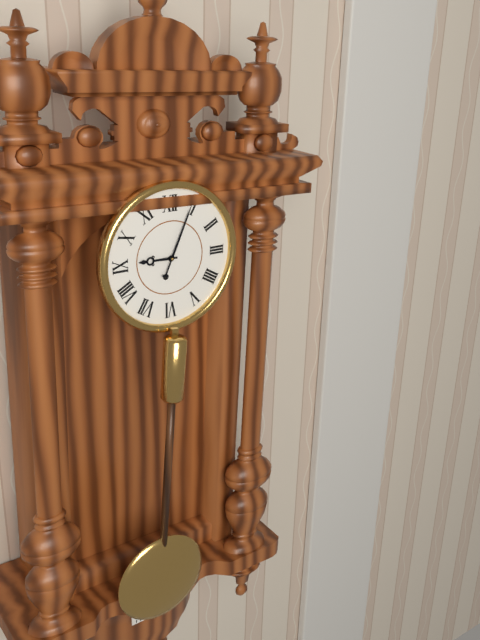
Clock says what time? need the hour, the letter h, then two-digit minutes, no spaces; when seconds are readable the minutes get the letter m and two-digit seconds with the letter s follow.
9h04
